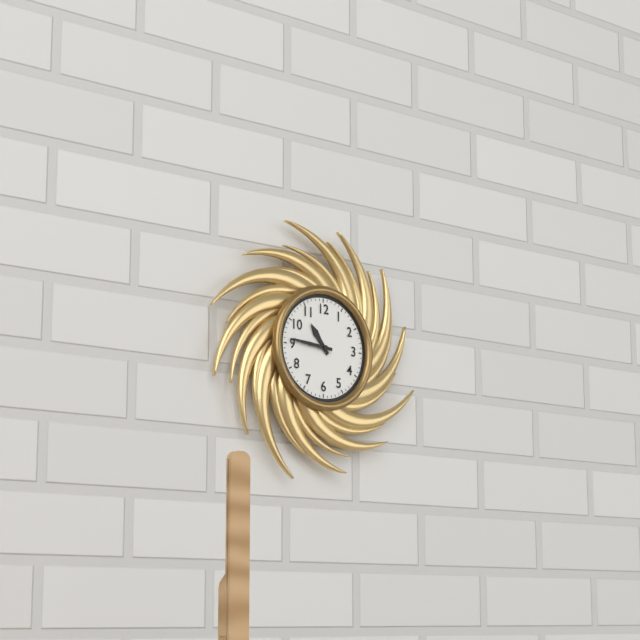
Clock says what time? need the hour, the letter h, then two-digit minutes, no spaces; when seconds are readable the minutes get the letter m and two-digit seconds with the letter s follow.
10h46
